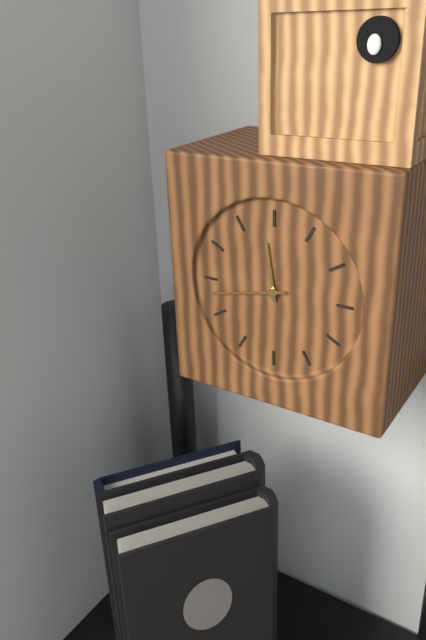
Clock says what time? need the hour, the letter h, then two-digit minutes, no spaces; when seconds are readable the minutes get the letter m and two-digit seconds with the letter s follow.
11h43
